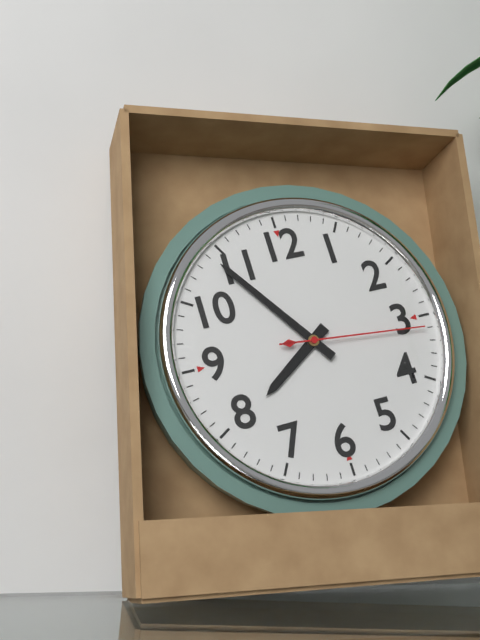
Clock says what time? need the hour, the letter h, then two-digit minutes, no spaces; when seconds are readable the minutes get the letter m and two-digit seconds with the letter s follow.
7h54m16s
